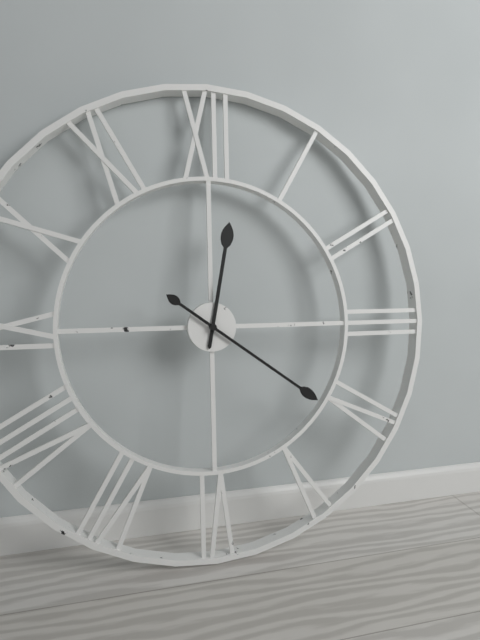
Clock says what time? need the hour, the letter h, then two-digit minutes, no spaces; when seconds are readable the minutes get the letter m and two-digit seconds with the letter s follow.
12h21
